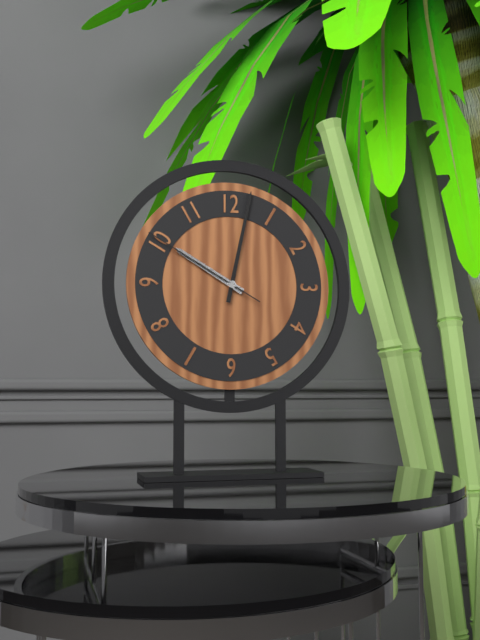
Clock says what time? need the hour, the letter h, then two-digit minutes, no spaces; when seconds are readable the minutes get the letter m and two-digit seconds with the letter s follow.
10h02m50s
